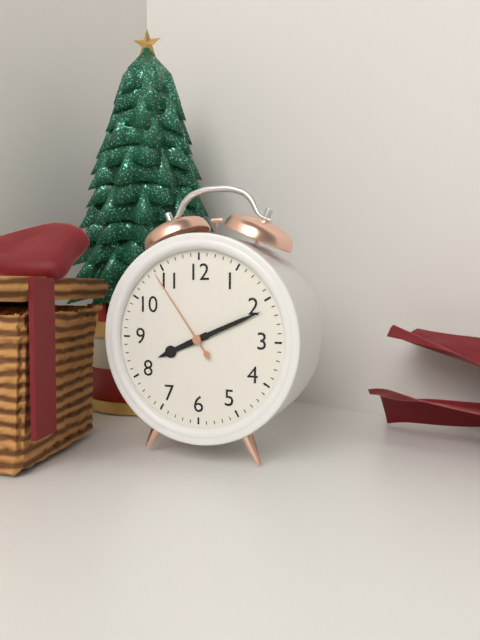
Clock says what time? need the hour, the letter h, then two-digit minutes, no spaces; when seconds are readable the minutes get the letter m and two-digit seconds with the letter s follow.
8h11m54s
